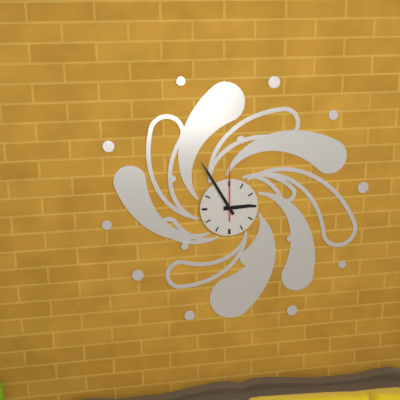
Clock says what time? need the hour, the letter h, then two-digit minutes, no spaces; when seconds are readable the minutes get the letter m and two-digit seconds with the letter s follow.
2h55m00s
